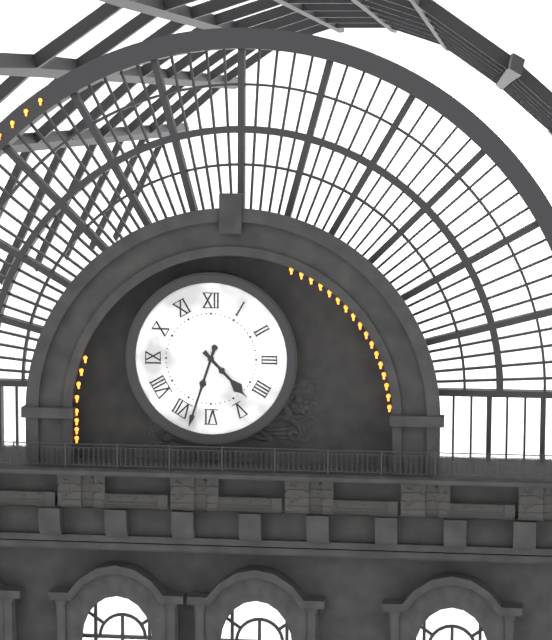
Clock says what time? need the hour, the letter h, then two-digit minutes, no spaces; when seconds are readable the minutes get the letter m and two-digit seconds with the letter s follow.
4h33
